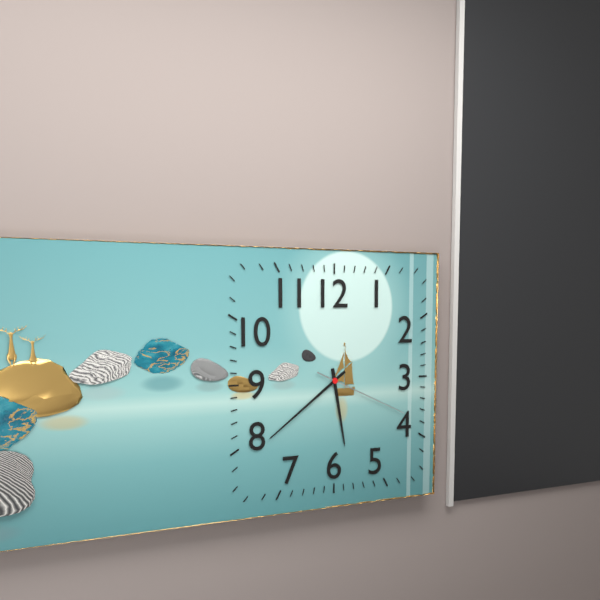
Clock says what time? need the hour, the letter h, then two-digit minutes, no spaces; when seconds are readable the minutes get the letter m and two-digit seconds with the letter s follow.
5h39m19s
